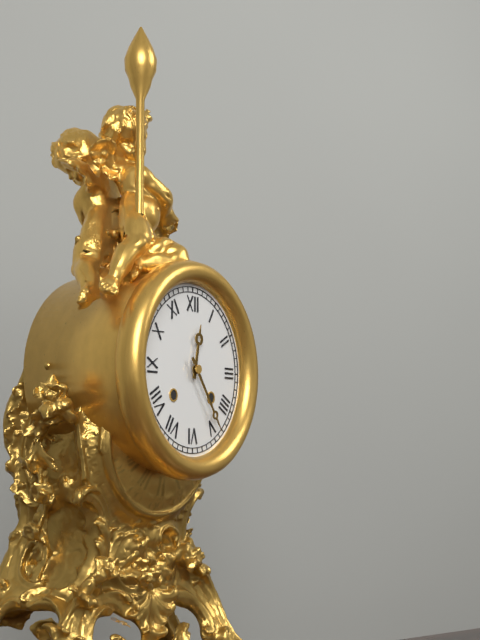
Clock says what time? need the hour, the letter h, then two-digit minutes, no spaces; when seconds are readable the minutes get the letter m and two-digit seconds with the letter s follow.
12h24
